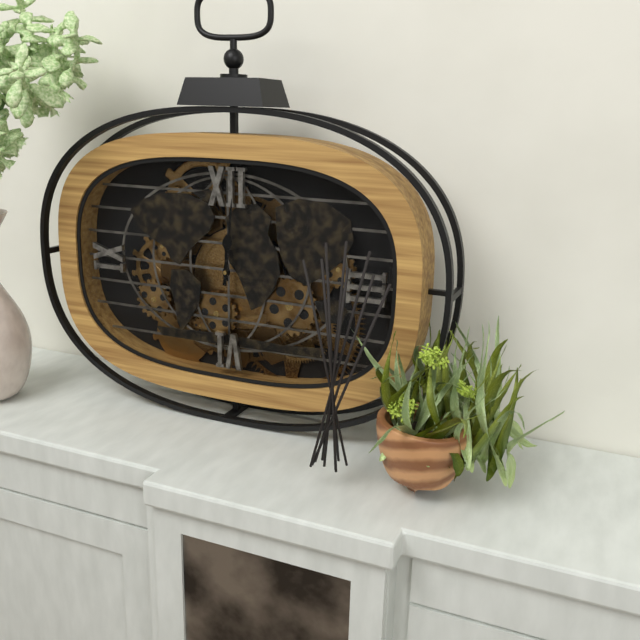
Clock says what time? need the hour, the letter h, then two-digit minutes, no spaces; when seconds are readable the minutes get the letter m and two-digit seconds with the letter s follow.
12h01
